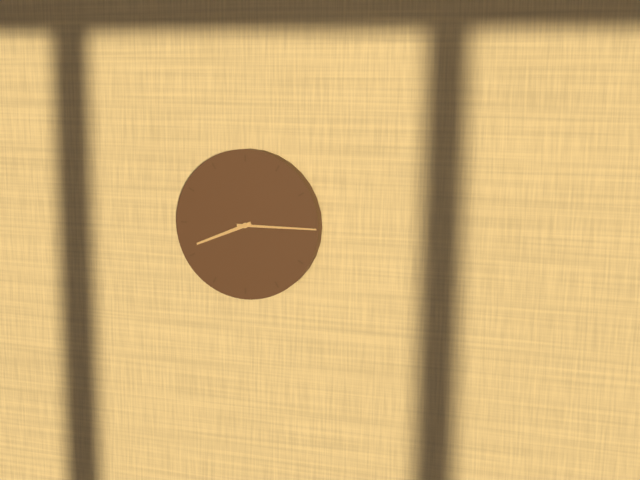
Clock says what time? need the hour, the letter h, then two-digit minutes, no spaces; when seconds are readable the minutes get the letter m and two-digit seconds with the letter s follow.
8h15
